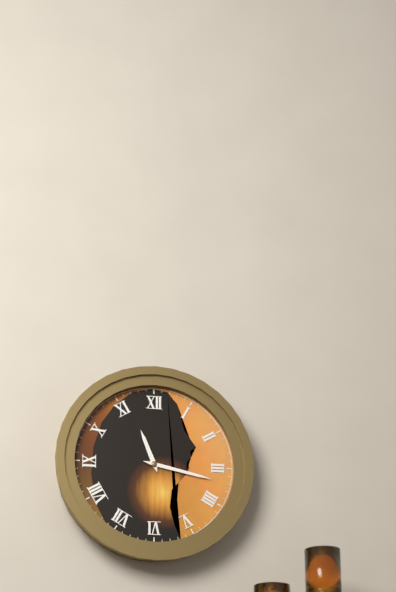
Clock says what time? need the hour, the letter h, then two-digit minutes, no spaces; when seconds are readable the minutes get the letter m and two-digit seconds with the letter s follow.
11h17
